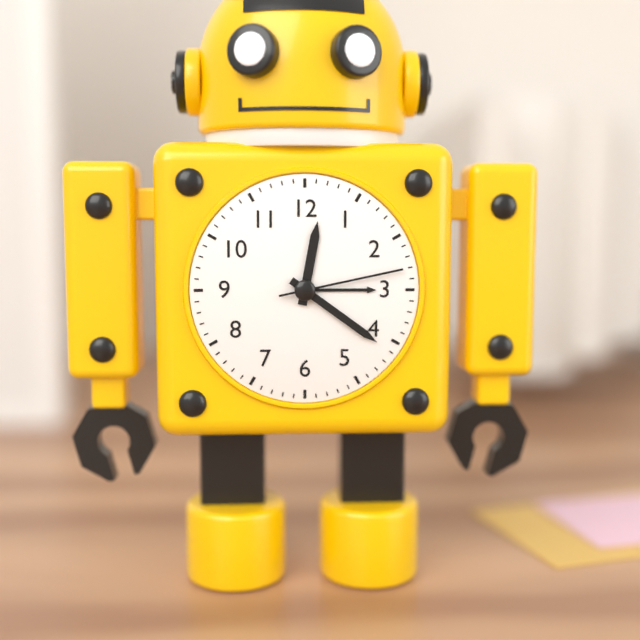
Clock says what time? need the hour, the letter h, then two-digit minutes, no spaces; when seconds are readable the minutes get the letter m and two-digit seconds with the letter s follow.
12h21m13s
